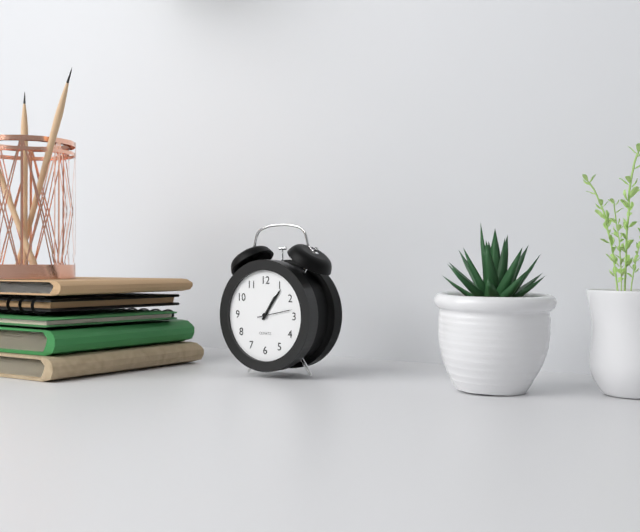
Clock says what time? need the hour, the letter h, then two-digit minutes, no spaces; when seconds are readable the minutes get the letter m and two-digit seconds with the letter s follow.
1h06
